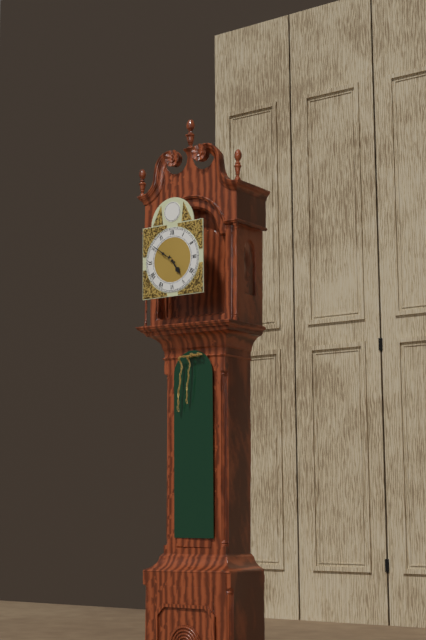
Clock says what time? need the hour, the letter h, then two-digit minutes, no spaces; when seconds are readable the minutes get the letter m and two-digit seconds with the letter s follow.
4h51
